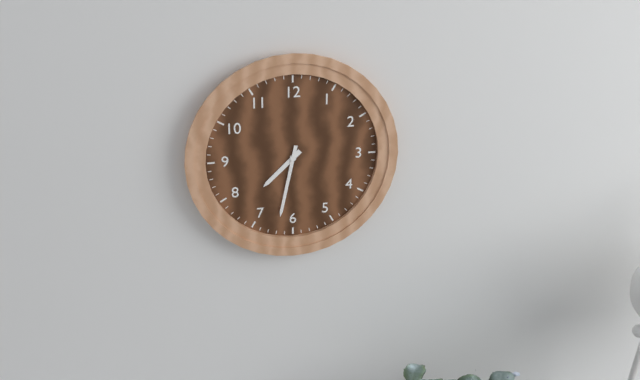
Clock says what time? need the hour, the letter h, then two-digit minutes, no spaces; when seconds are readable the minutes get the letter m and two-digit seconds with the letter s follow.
7h32
